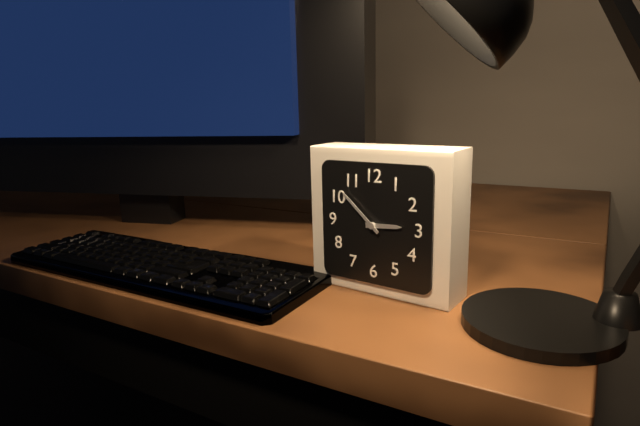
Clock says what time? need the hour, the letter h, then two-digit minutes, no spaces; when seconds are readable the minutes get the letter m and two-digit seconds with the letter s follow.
2h52
